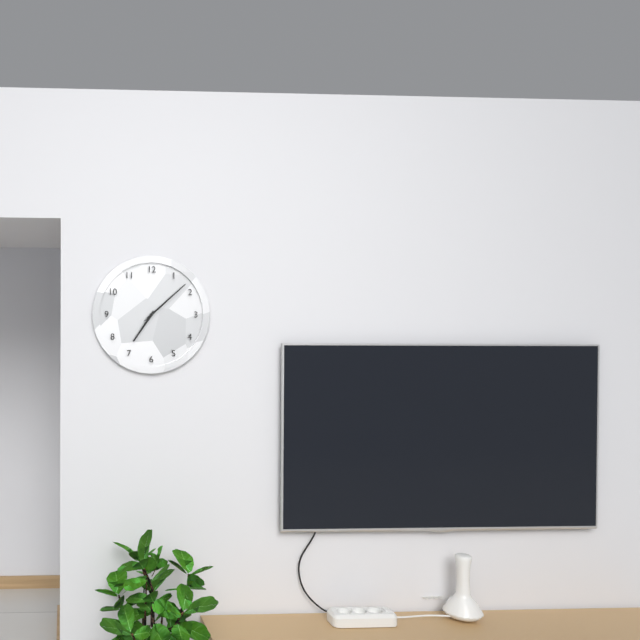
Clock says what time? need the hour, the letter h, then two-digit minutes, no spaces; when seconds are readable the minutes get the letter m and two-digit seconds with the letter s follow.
7h08m08s
